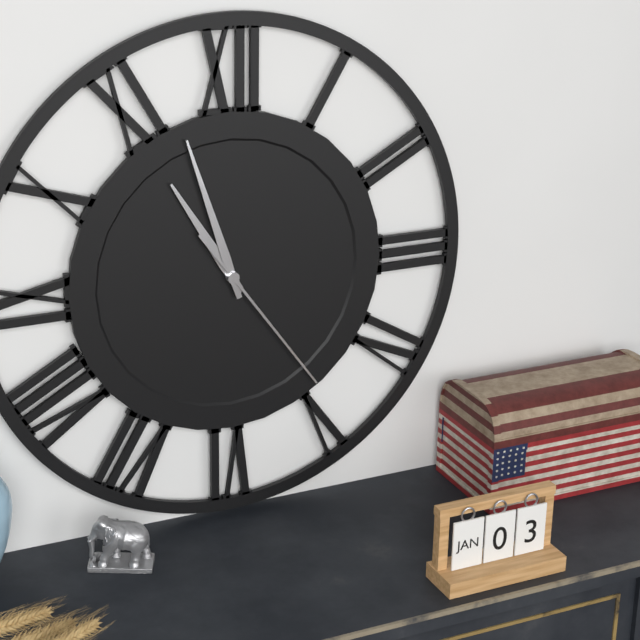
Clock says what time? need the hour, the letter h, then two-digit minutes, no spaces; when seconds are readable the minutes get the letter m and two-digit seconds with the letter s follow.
10h57m24s
